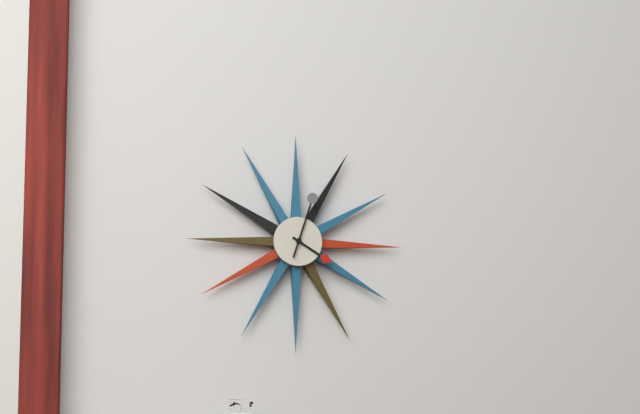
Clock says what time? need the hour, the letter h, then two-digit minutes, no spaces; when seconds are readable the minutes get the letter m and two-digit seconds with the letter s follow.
4h03
